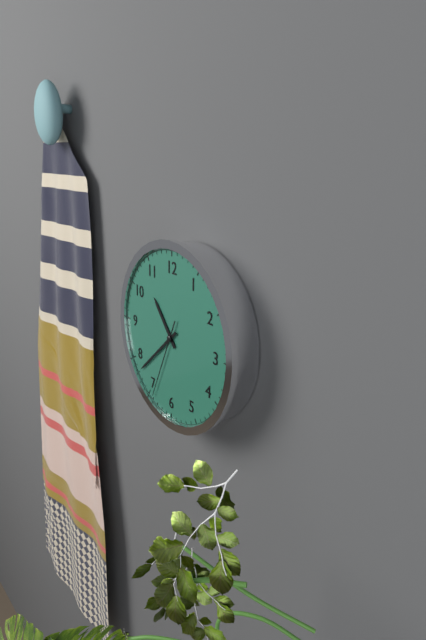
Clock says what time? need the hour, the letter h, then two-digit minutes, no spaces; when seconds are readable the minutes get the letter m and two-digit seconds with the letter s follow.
10h38m34s
